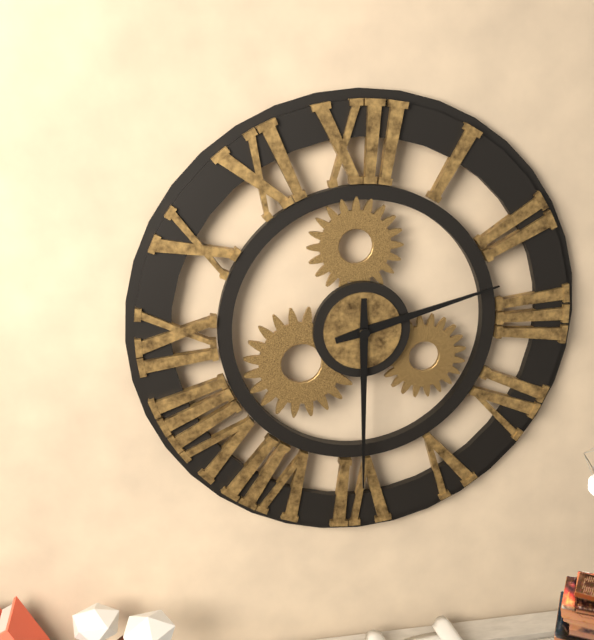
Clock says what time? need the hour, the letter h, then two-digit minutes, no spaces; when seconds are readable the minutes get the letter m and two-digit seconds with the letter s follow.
2h30
